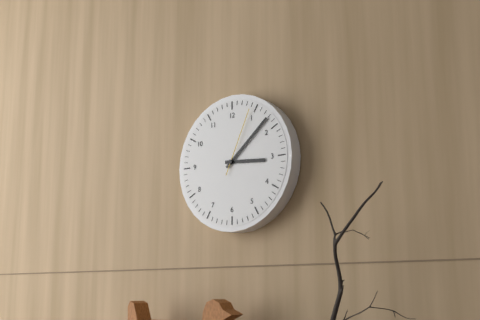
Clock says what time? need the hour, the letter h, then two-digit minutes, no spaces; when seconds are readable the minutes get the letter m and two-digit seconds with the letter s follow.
3h08m04s
